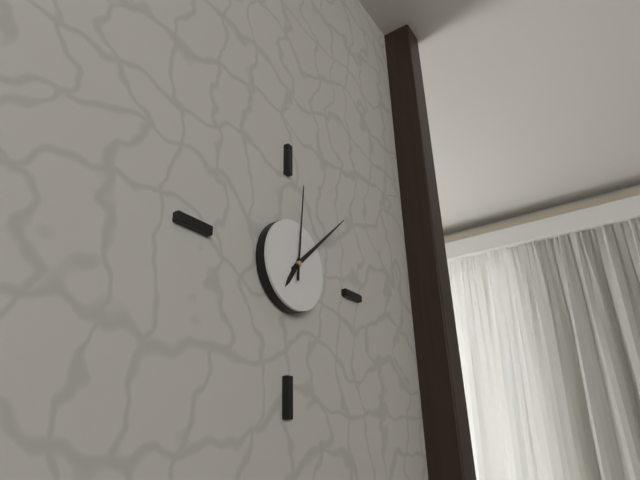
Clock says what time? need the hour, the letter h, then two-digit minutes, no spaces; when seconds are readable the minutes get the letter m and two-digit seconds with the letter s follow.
7h08m01s
